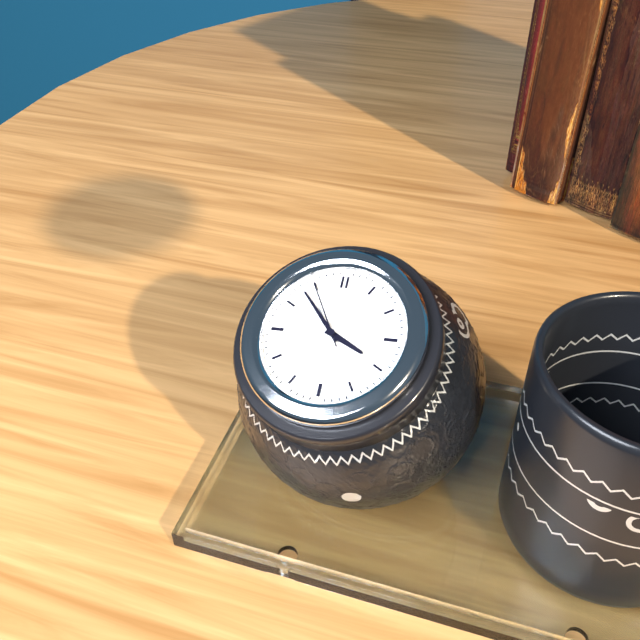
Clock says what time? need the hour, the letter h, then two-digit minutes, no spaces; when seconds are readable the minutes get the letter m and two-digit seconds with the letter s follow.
3h53m55s
